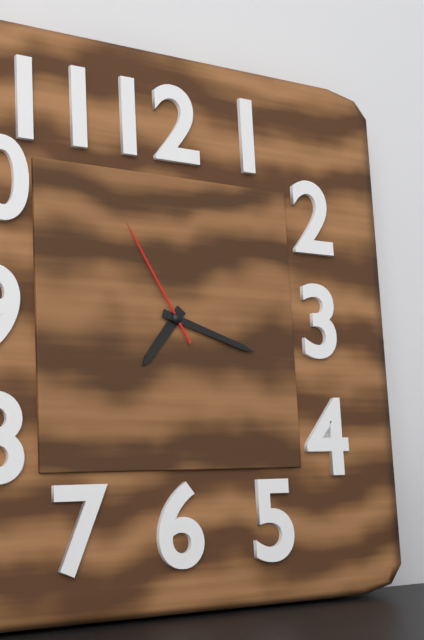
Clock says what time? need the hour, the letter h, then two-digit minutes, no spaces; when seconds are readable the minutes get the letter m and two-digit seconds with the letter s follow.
7h18m55s
